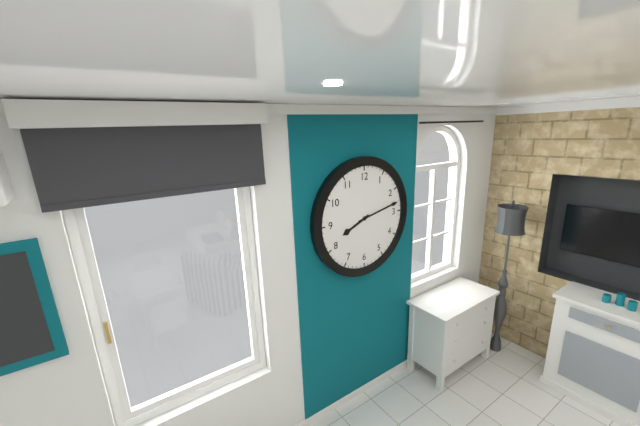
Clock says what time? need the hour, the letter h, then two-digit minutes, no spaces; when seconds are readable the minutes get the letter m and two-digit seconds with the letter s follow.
8h13
